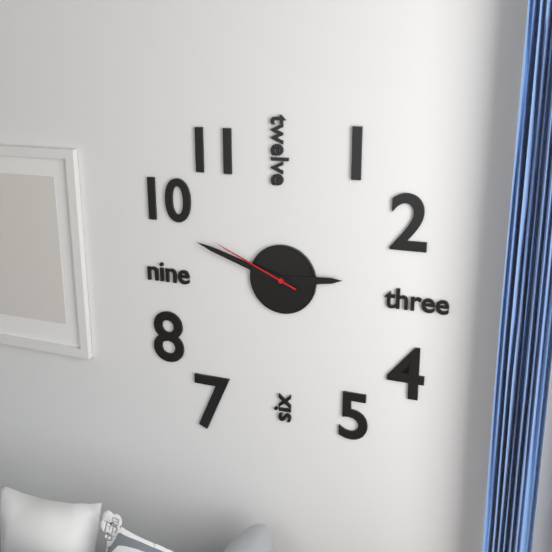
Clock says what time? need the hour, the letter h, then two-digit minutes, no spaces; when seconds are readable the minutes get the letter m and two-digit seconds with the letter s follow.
2h48m49s
